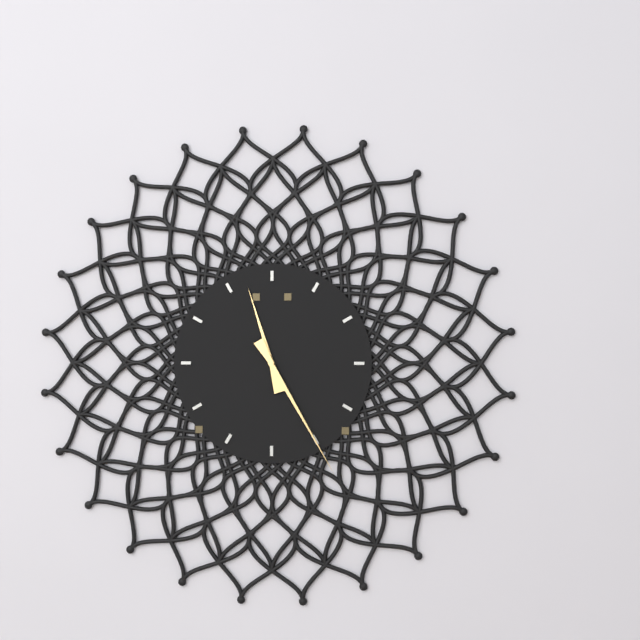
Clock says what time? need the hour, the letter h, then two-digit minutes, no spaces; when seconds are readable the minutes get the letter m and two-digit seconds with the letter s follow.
11h25
